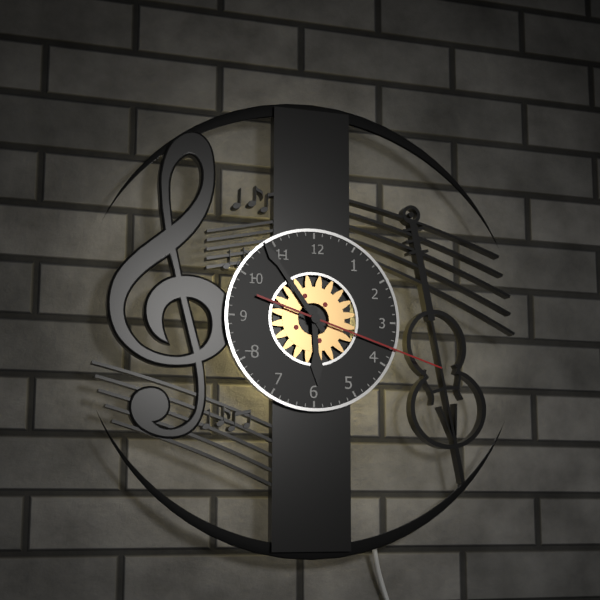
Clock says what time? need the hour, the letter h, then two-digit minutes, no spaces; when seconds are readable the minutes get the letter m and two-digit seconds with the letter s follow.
5h54m18s
